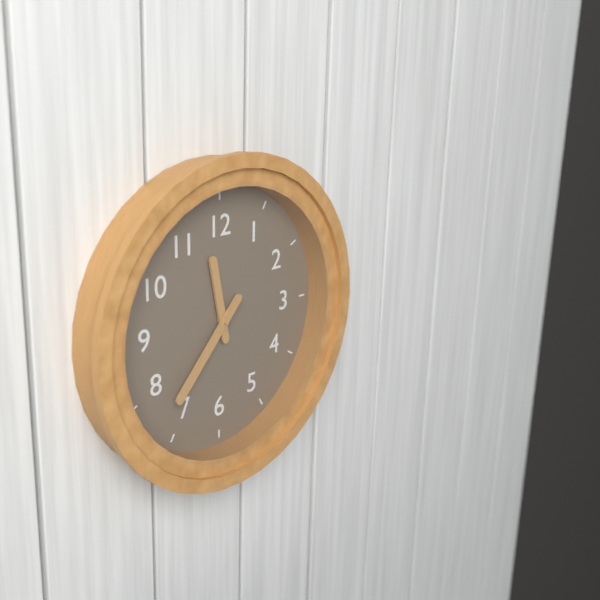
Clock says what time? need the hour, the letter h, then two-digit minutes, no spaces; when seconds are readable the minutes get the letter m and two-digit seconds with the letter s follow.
11h37
